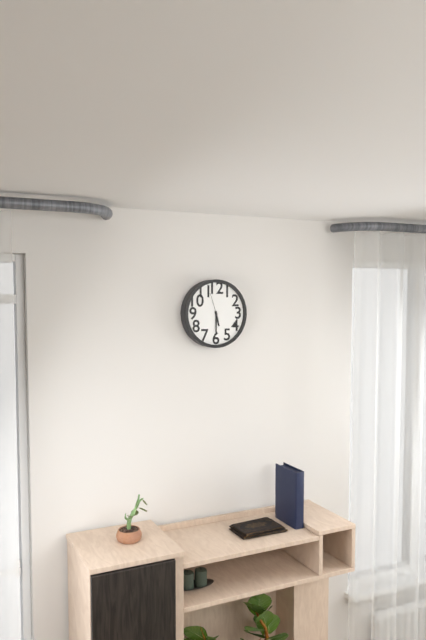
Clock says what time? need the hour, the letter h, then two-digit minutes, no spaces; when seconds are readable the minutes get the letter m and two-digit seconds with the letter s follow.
5h30
